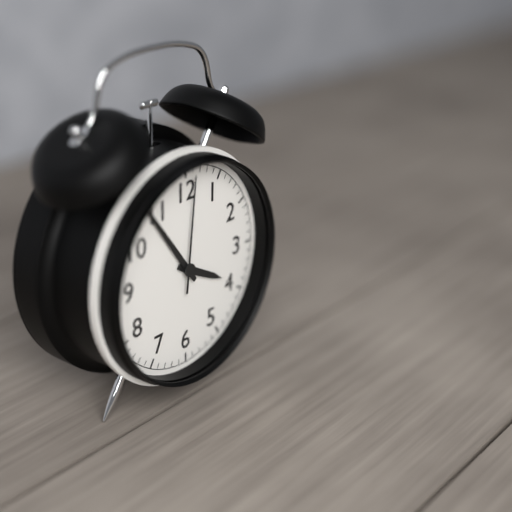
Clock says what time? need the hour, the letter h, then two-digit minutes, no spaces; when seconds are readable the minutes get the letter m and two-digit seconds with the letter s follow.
3h54m01s
